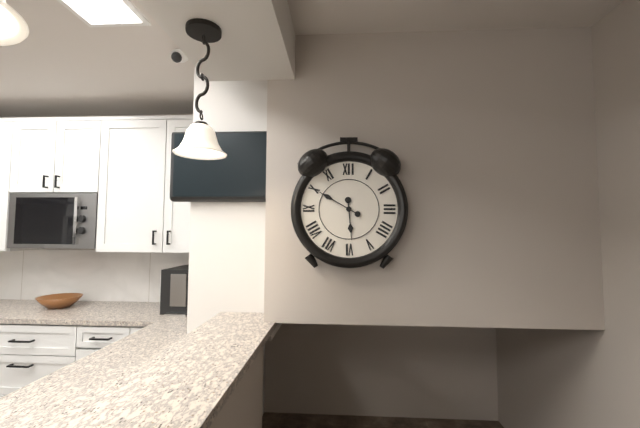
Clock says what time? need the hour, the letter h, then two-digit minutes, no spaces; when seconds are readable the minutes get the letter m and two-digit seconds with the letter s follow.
5h50
